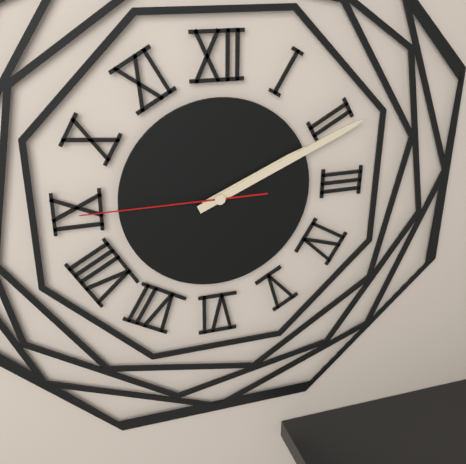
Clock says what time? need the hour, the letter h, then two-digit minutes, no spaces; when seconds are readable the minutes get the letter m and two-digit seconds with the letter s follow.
2h11m45s
